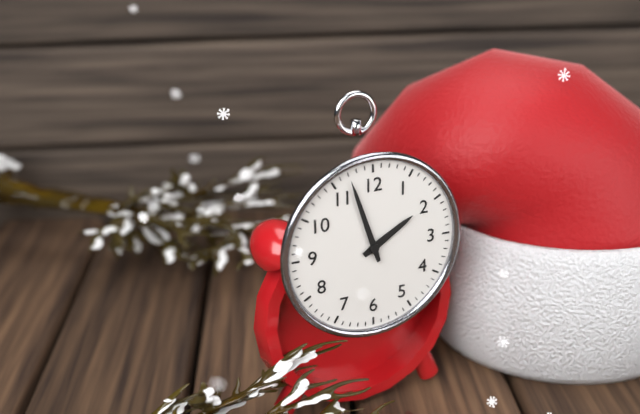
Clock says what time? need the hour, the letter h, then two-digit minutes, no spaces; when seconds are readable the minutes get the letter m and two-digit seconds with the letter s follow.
1h57
